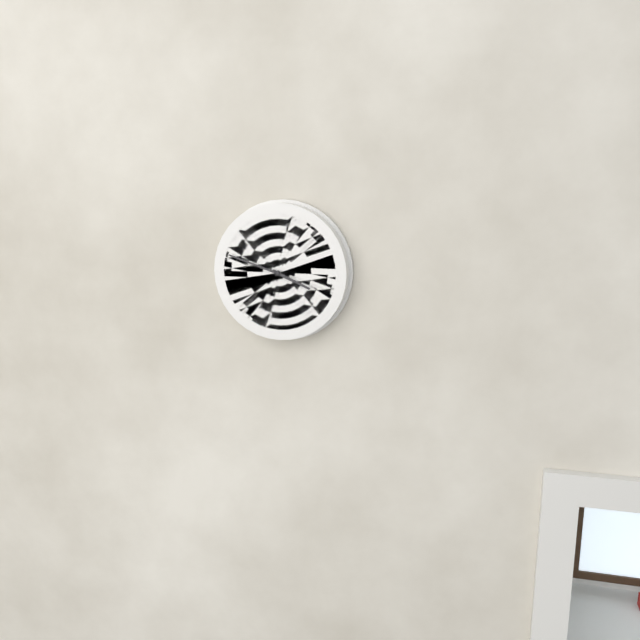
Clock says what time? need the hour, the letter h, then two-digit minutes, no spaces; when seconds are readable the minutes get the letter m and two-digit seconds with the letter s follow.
3h48
